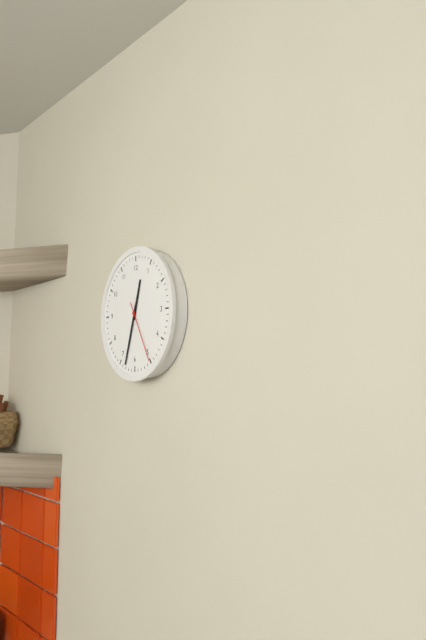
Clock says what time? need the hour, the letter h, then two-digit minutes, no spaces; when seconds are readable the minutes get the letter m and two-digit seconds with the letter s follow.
12h33m25s
